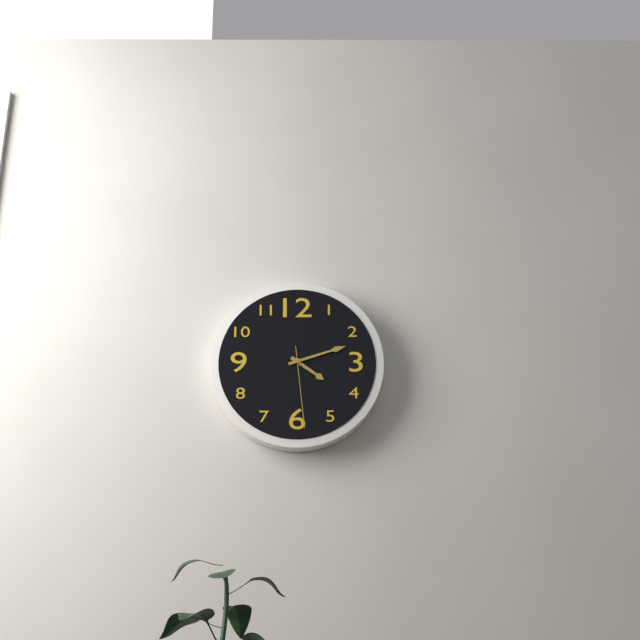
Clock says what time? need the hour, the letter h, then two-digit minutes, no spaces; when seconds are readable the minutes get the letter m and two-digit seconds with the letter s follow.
4h12m29s
